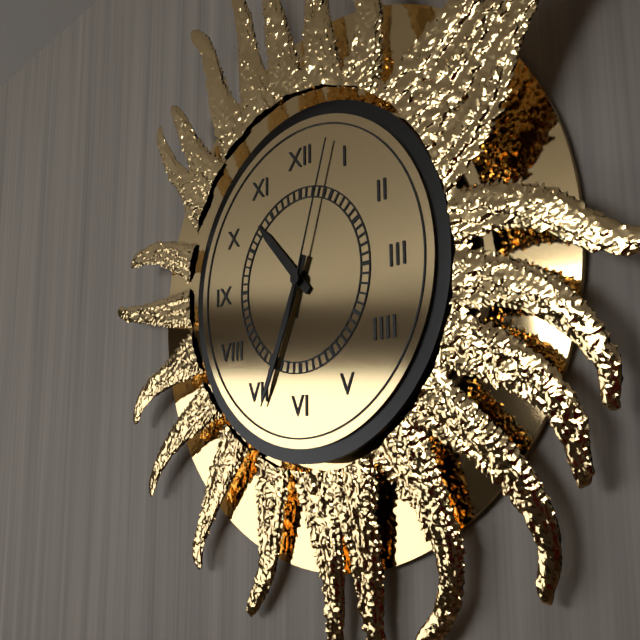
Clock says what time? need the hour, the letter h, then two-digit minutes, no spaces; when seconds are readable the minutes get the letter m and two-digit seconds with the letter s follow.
10h34m03s
